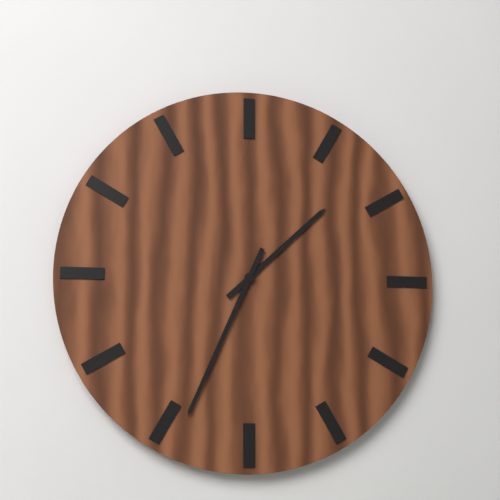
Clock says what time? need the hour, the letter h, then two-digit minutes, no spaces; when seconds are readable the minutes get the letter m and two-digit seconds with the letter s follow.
1h34
